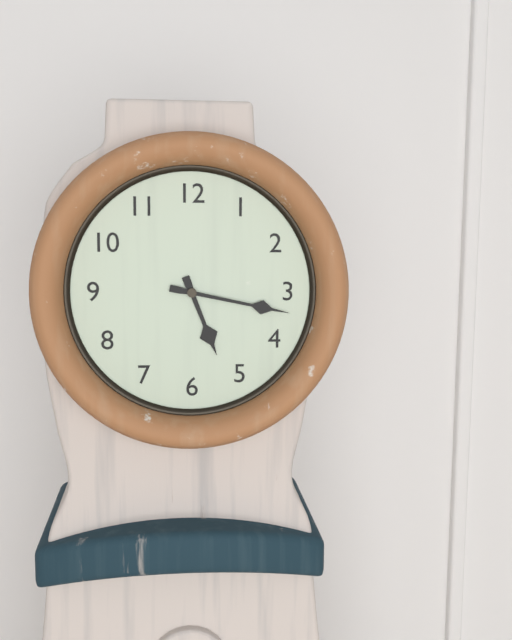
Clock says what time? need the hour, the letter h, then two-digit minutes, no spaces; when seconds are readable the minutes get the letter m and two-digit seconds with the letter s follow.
5h17
